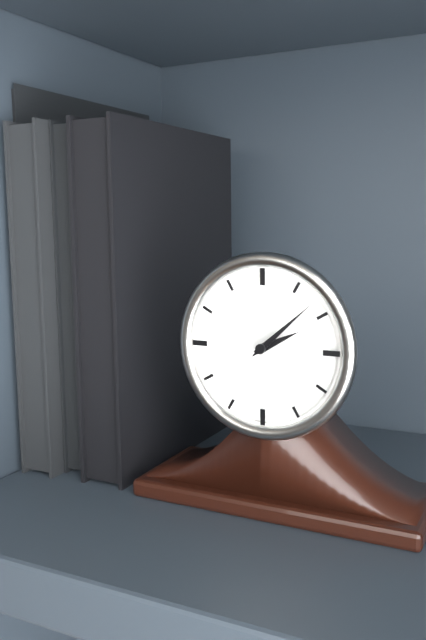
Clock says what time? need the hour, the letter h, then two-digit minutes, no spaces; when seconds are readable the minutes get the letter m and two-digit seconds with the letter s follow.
2h08
